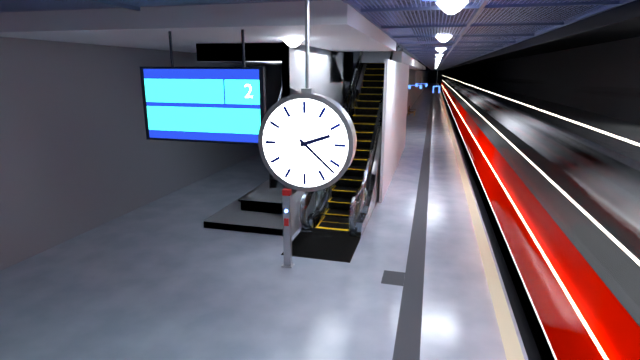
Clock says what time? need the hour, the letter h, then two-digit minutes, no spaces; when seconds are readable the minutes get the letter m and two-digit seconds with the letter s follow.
2h22
